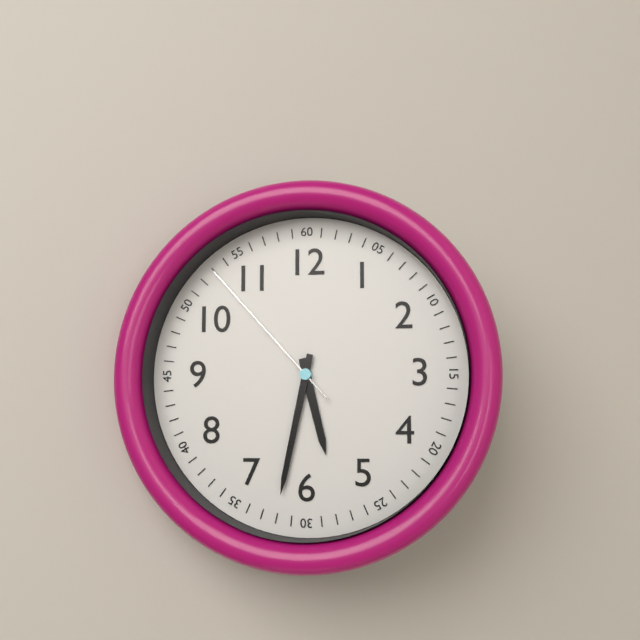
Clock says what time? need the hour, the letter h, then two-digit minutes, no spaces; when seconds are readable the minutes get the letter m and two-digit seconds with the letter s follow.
5h32m53s
